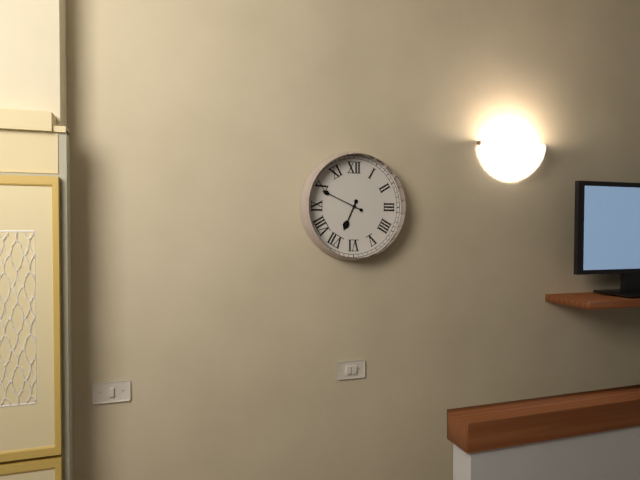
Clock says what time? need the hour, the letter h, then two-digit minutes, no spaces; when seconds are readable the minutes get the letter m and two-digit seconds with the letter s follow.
6h49
